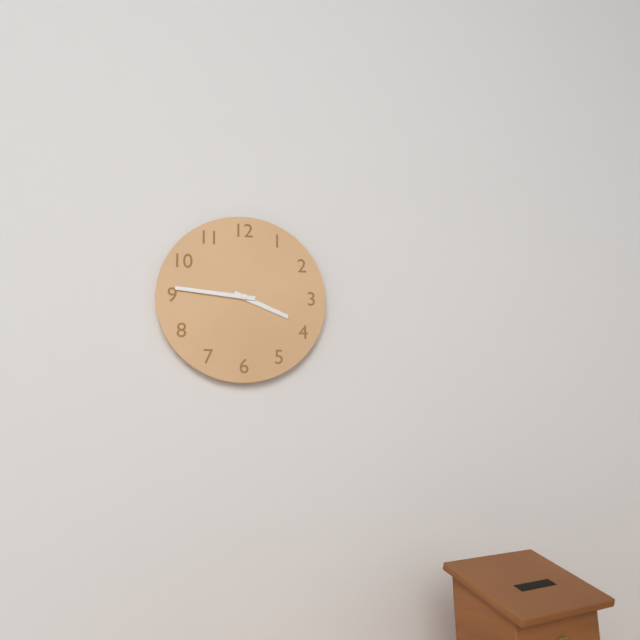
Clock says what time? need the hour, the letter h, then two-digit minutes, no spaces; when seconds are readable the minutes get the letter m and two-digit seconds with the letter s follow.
3h46
